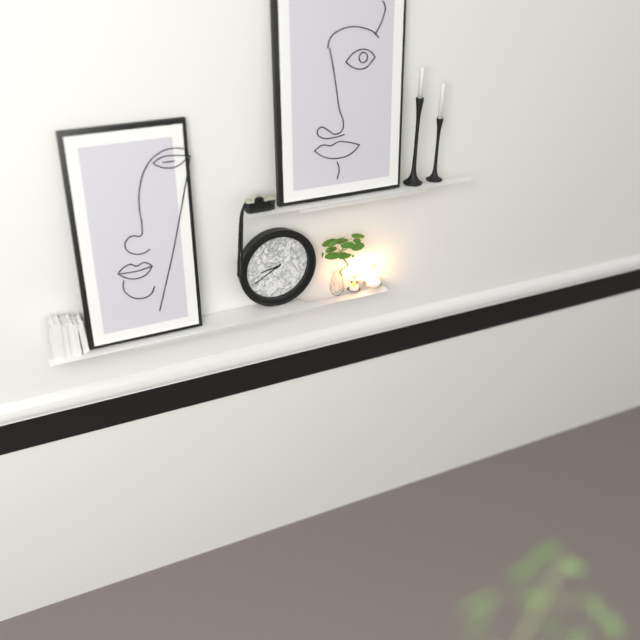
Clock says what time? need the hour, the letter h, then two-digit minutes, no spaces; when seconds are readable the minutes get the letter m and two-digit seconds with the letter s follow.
8h40
